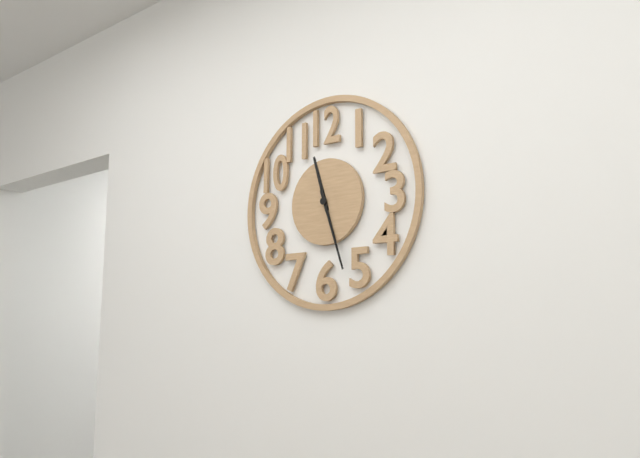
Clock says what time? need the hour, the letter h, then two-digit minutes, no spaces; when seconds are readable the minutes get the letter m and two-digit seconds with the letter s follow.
11h27
